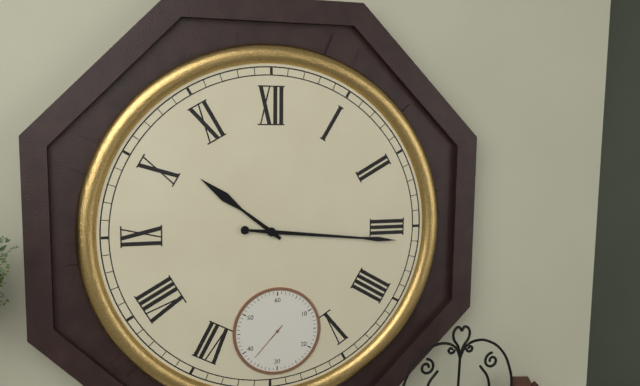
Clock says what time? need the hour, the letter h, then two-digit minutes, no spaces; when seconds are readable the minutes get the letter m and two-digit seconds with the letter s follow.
10h16
